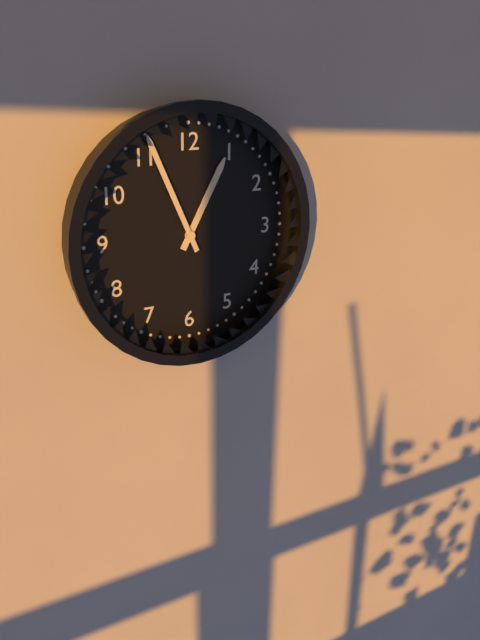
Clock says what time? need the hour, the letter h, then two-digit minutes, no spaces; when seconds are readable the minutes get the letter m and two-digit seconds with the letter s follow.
12h56
